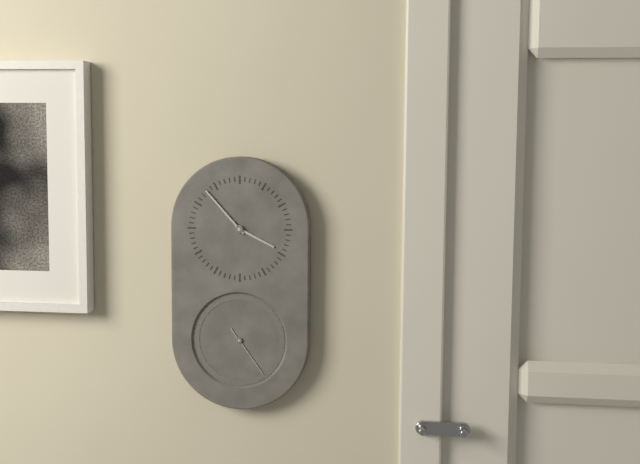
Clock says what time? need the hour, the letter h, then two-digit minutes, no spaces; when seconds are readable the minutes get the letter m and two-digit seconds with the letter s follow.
3h53m24s
